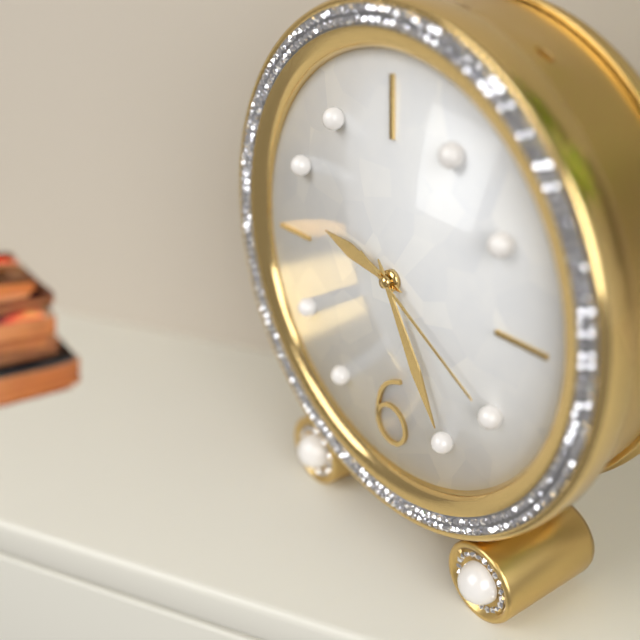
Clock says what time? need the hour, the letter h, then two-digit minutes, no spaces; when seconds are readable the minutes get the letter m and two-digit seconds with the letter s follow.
9h25m20s
